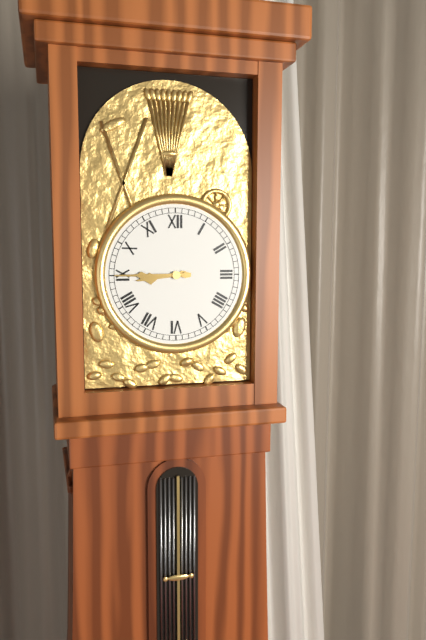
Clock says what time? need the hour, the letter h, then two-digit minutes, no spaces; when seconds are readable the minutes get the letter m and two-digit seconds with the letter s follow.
8h45
